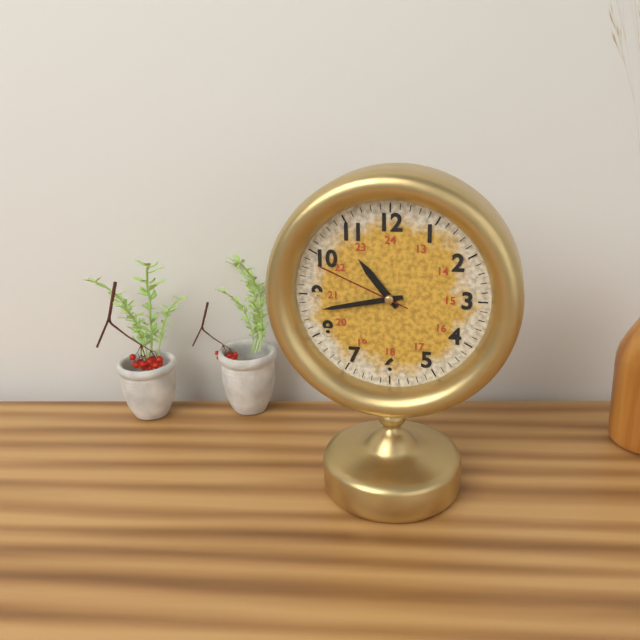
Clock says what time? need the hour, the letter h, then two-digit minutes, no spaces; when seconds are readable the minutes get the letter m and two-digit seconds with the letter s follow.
10h43m49s
